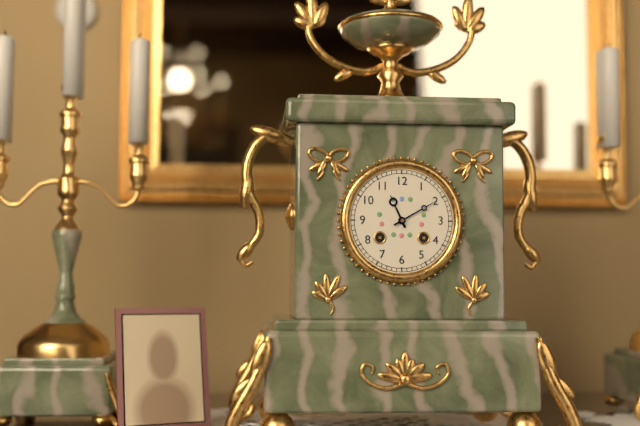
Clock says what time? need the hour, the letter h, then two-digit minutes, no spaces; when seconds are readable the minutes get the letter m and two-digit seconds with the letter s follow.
11h10
